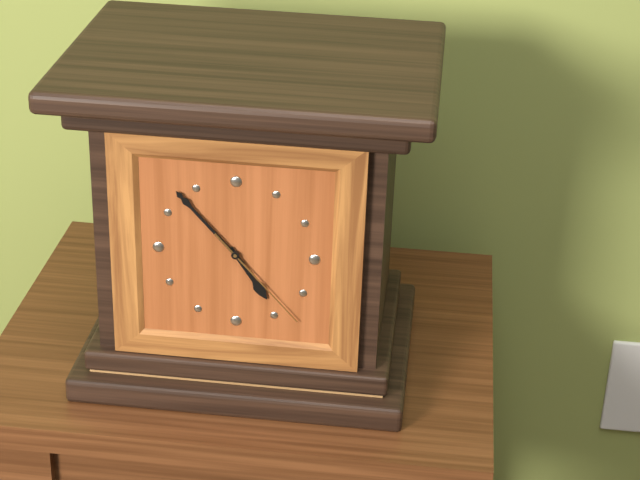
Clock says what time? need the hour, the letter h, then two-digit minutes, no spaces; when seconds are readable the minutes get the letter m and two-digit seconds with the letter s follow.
4h53m23s
